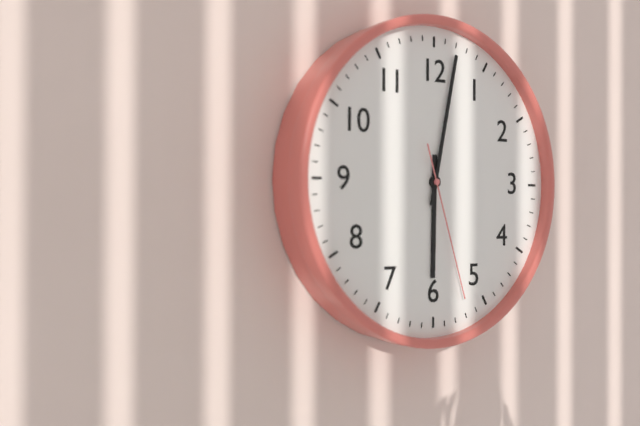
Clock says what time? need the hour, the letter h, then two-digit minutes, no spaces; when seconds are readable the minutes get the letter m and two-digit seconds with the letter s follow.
6h02m27s
